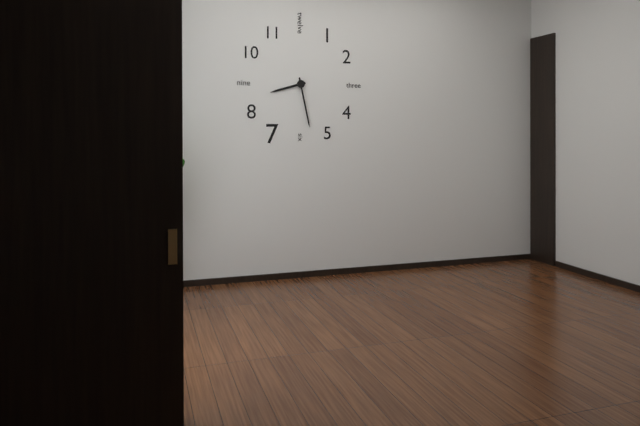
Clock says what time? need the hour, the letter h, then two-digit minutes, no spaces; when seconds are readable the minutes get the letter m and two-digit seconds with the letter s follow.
8h28
